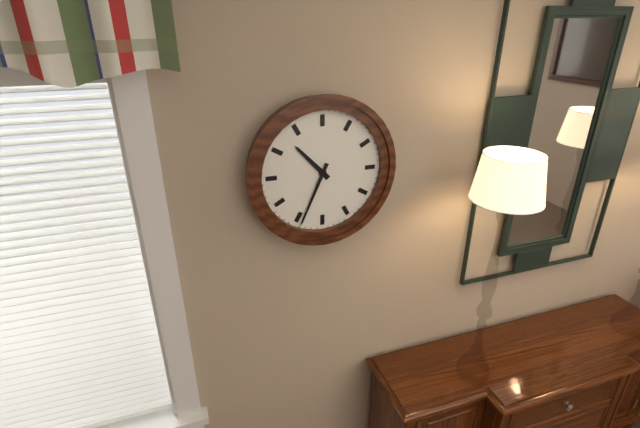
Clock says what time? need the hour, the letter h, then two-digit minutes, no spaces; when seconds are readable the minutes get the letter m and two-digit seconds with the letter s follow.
10h34
